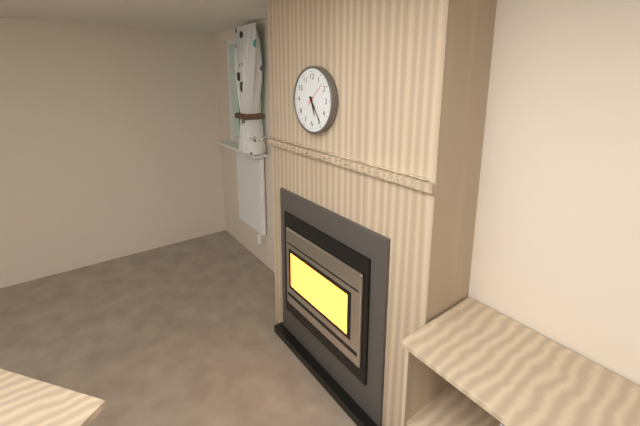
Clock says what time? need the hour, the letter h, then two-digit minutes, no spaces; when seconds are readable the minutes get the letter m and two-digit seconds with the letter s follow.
5h24
